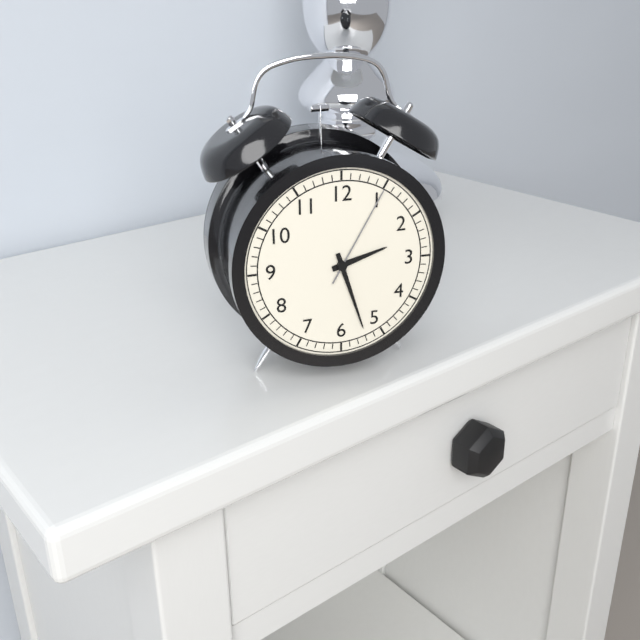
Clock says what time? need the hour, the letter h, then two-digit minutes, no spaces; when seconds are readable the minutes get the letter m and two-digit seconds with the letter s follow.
2h27m05s
